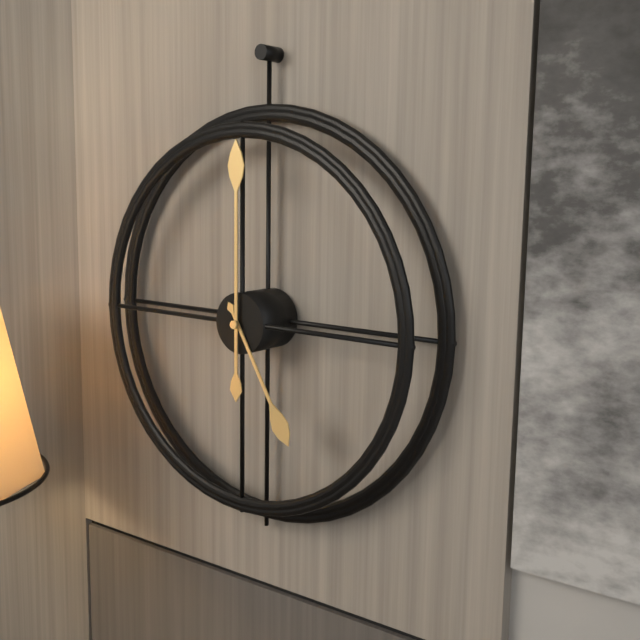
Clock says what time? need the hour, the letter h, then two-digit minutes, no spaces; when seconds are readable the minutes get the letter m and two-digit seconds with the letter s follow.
5h00
